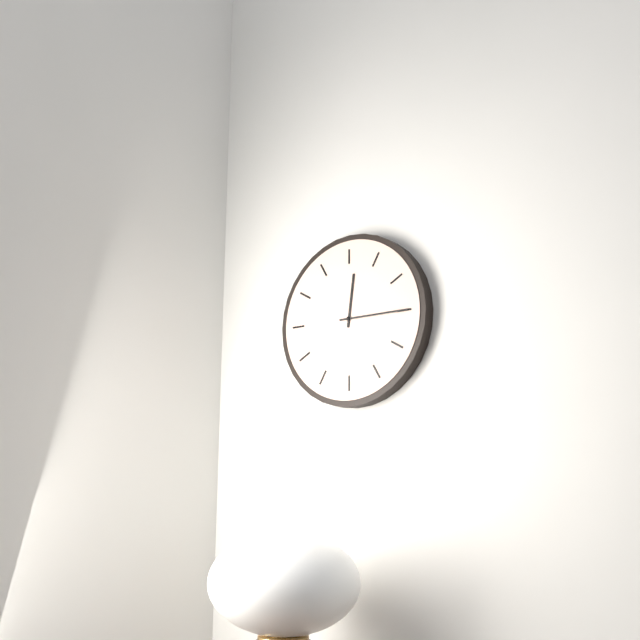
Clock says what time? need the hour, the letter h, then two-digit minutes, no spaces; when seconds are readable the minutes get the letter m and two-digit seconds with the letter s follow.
12h15
